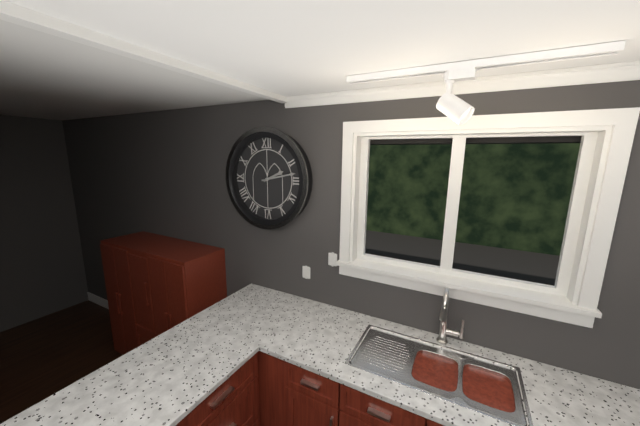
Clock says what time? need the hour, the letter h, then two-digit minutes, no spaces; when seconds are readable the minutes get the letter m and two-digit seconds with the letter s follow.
2h13
